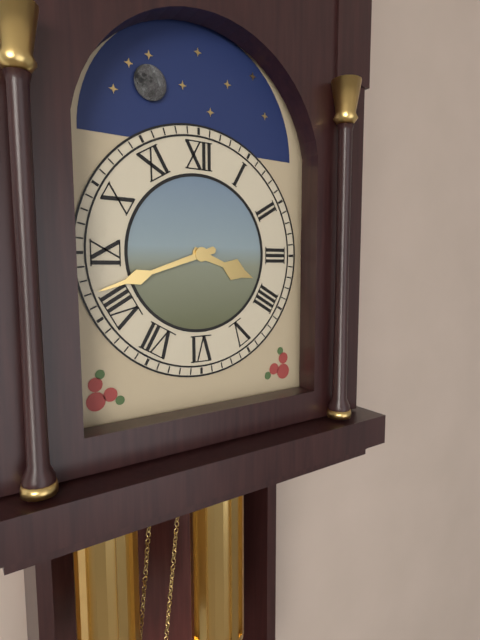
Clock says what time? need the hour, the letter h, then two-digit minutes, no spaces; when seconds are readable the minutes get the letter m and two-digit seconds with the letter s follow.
3h42
